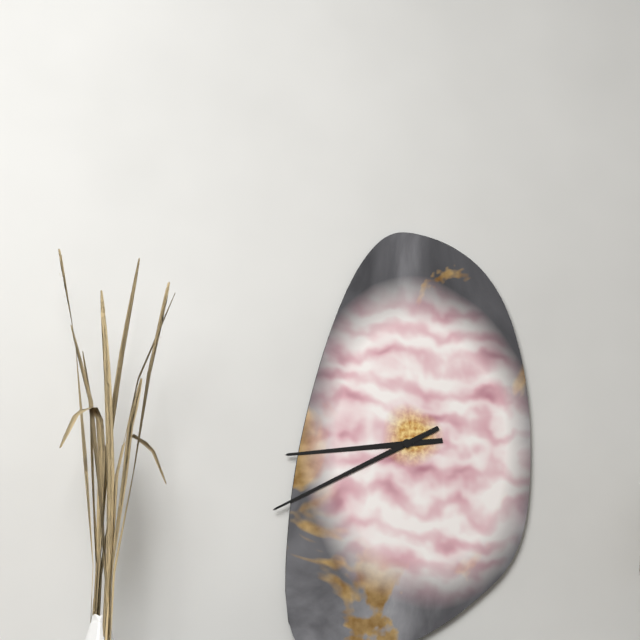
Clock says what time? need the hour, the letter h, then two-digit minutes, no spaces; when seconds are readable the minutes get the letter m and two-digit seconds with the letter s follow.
8h40
